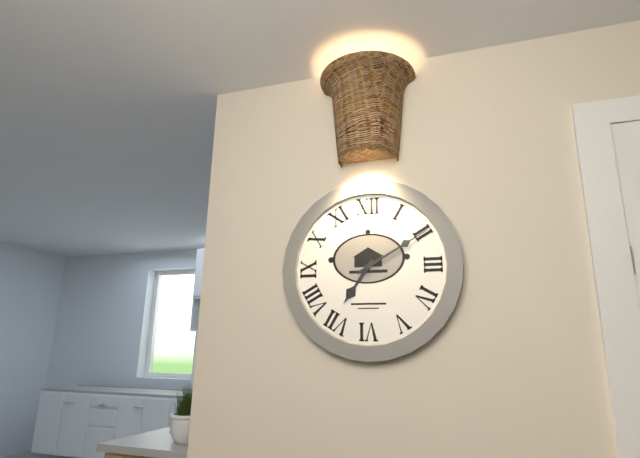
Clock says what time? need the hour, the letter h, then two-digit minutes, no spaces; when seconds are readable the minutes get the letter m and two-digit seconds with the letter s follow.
7h10
